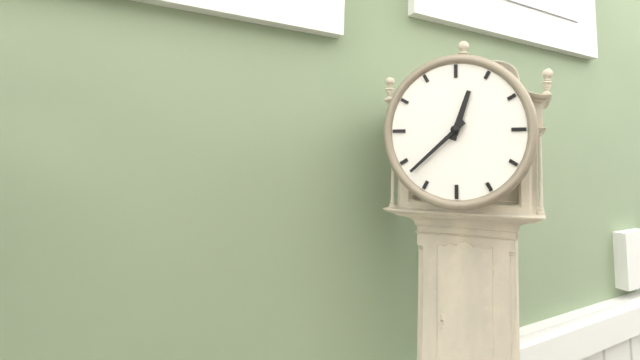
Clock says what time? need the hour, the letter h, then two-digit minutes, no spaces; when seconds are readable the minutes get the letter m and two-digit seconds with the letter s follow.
12h38
